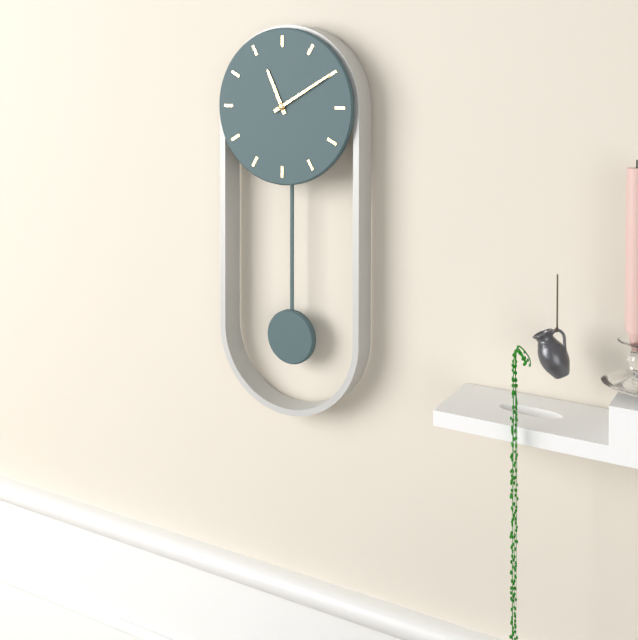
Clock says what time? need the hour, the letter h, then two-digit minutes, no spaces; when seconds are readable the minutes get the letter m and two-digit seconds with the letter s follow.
11h10
